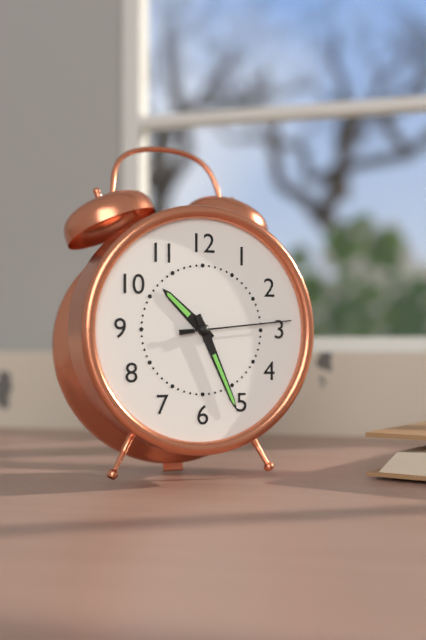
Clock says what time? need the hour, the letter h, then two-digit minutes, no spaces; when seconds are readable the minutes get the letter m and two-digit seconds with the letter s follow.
10h26m14s
